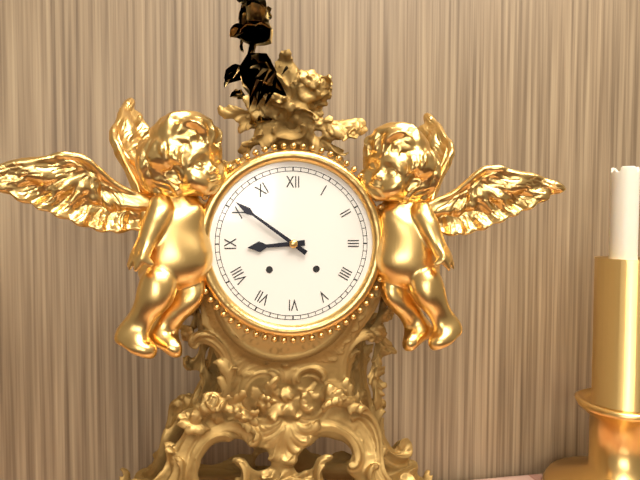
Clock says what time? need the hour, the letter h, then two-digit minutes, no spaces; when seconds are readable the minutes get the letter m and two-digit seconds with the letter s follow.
8h51
